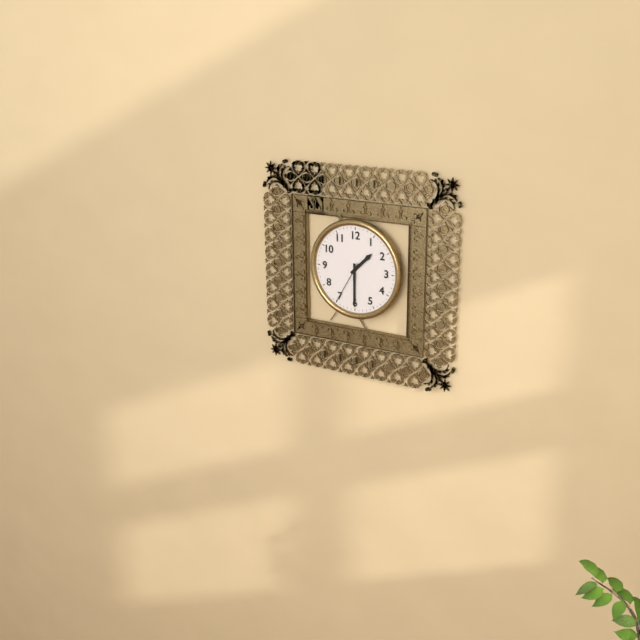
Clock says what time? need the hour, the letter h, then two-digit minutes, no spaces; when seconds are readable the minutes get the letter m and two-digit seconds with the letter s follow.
1h30
